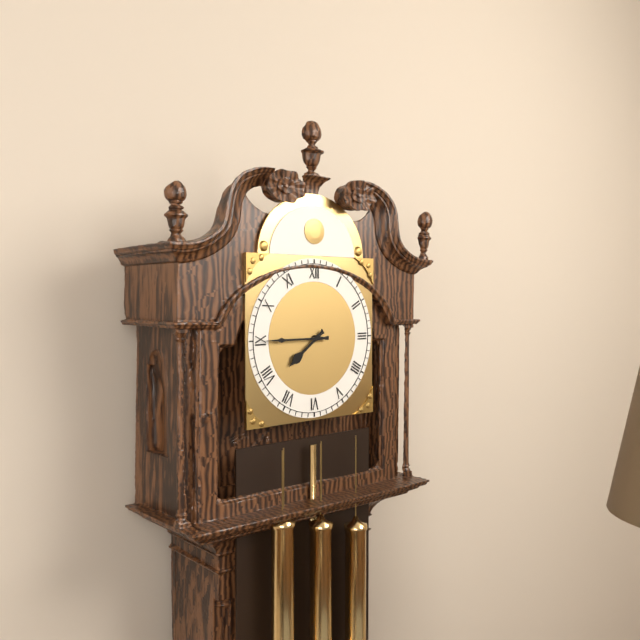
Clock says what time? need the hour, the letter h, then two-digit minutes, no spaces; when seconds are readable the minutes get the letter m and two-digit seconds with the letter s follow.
7h45
